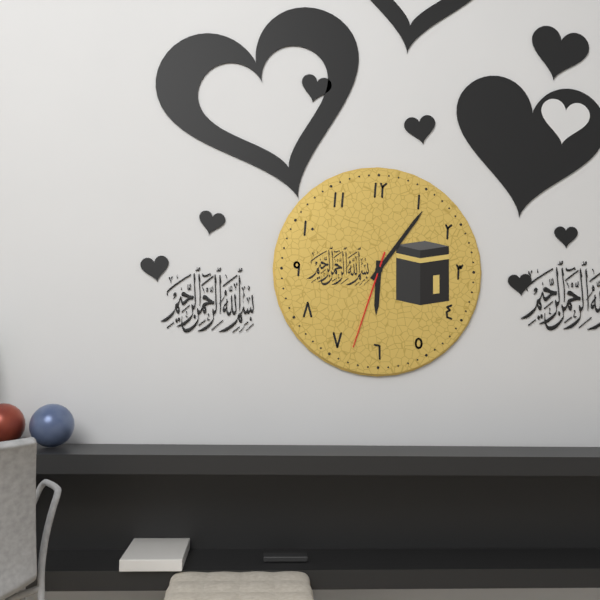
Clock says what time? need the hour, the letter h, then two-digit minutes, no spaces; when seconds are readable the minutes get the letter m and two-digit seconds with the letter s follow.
6h06m33s
